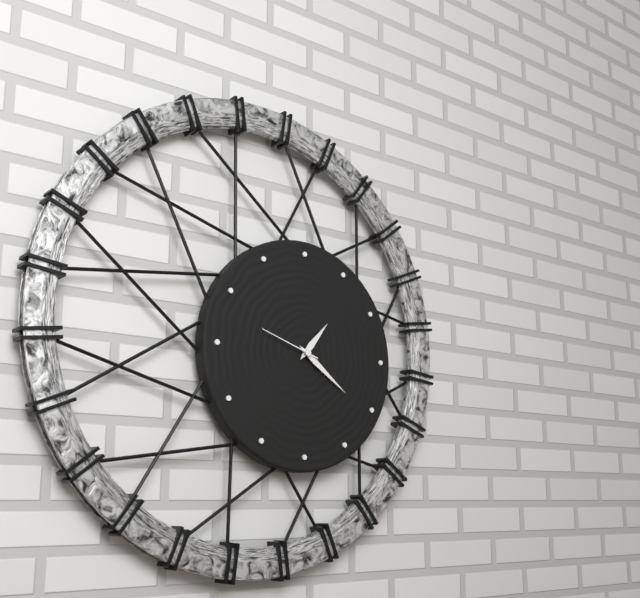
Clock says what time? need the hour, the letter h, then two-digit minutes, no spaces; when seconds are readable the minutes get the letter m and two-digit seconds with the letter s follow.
1h21m48s
